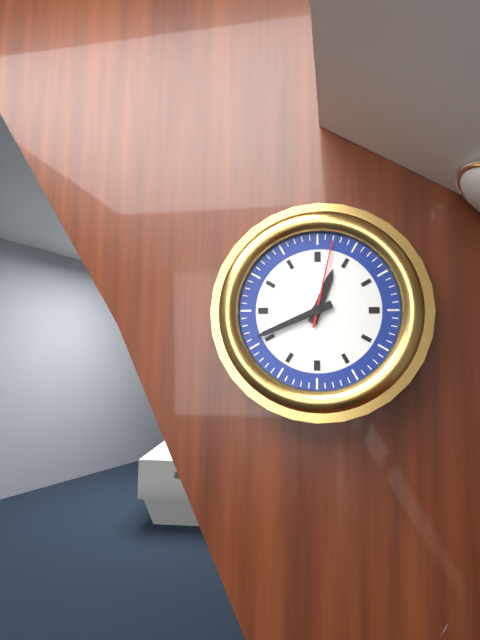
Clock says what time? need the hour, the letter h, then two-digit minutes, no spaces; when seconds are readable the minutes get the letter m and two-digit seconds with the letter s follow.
12h41m02s
